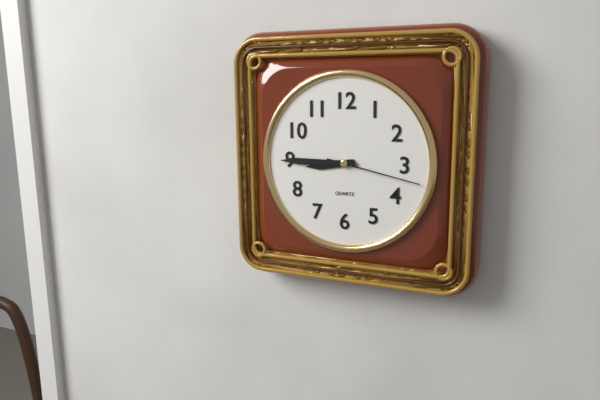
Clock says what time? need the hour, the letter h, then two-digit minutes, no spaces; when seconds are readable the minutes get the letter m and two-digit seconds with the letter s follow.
8h45m17s
